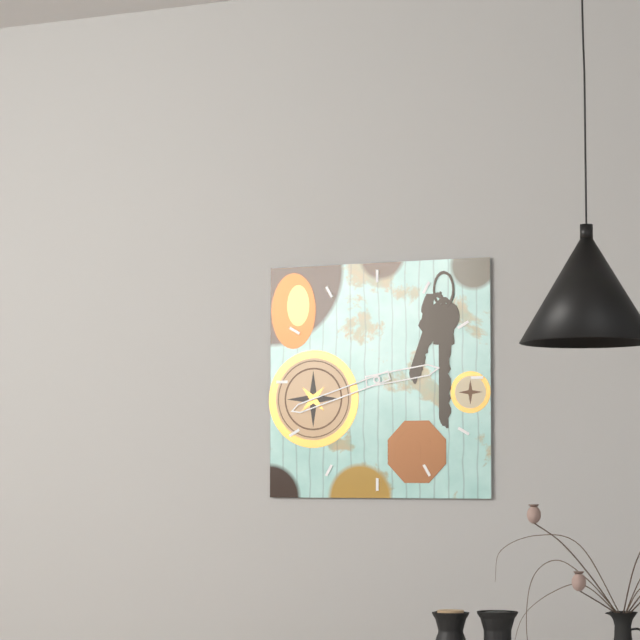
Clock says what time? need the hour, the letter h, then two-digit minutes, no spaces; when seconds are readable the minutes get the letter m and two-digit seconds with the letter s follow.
2h42
